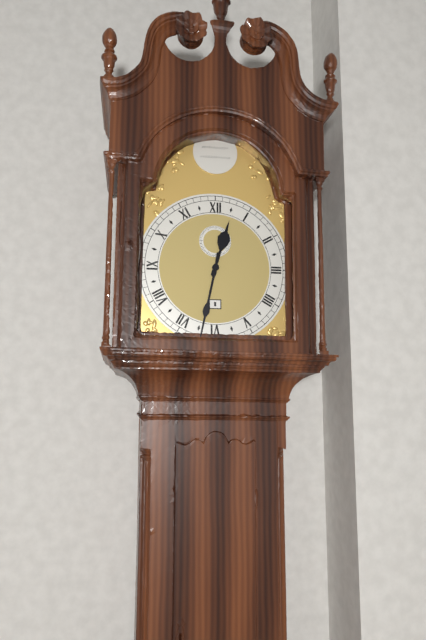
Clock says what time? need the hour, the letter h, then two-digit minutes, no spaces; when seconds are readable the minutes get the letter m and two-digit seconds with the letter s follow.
12h32
